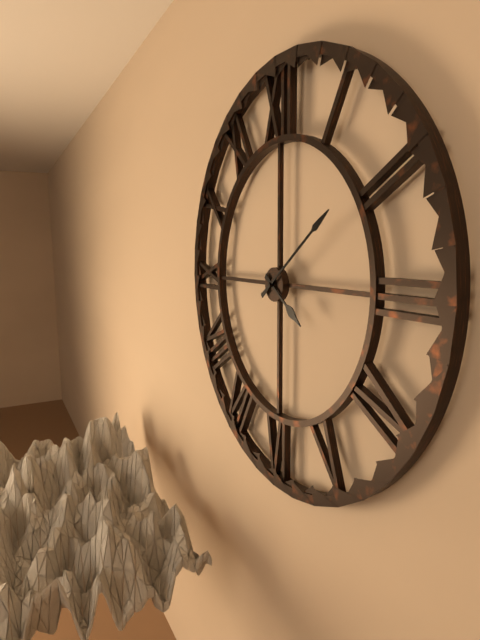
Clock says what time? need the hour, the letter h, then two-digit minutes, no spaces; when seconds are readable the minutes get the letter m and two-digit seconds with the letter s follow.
4h09
